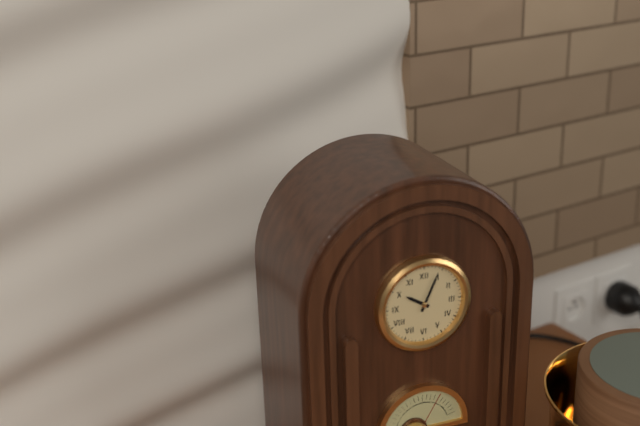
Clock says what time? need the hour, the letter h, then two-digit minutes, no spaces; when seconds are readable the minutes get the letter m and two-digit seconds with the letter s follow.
10h04
